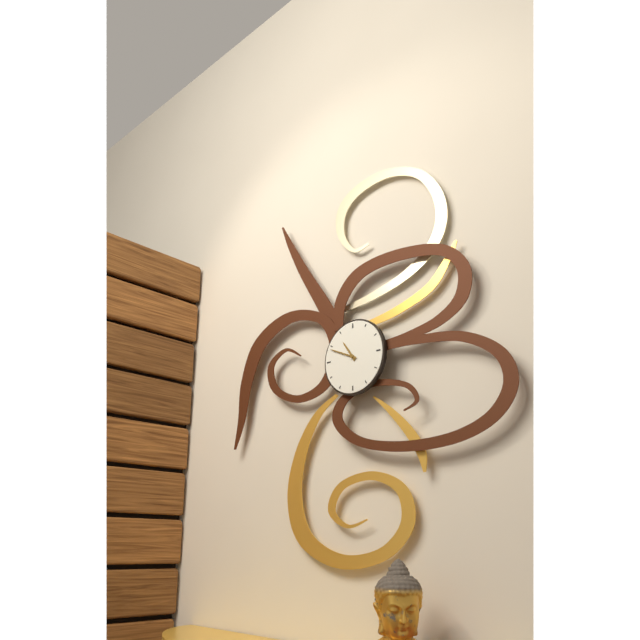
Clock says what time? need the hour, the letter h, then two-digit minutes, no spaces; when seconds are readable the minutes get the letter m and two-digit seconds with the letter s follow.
10h49
